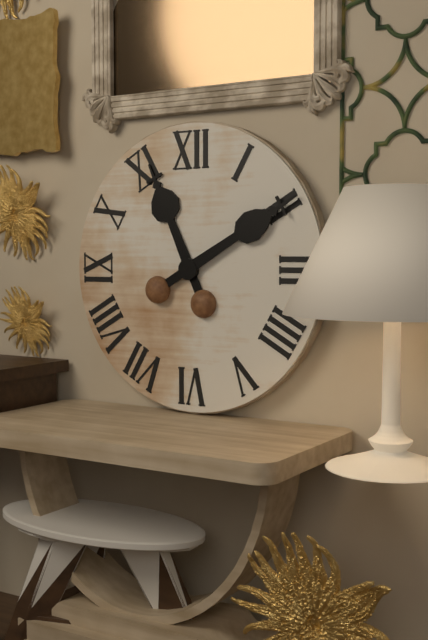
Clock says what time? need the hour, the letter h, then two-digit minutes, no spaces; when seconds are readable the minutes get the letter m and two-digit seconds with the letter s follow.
11h10
